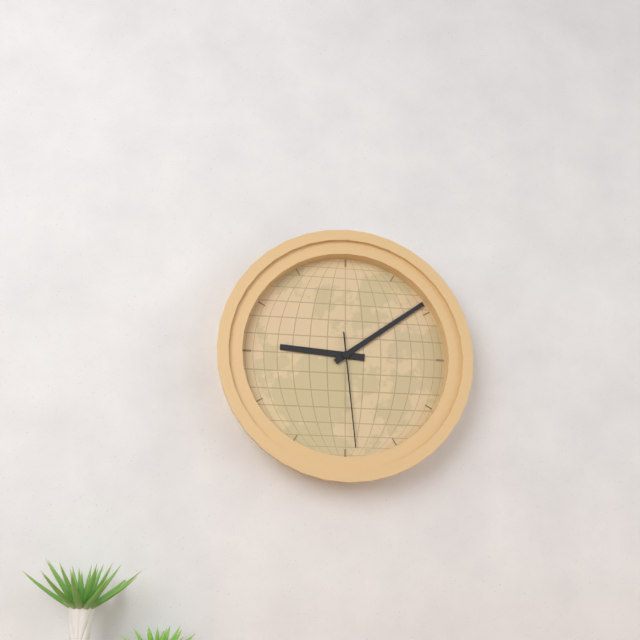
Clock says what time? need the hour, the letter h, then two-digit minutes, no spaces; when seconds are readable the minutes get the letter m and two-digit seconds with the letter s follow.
9h09m29s
